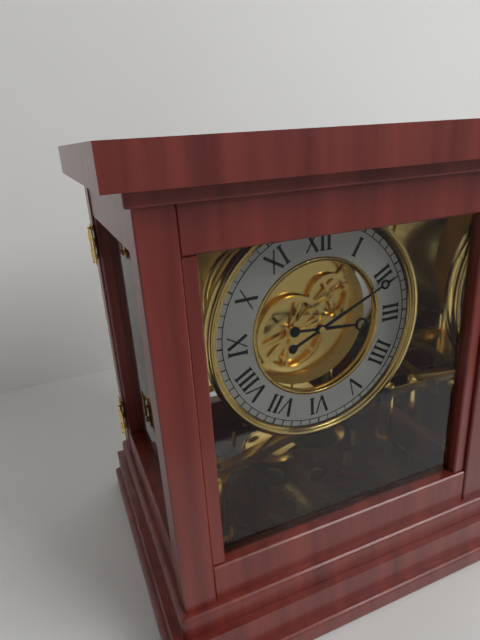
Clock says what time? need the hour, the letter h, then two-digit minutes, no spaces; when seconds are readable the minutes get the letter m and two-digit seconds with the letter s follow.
3h11
